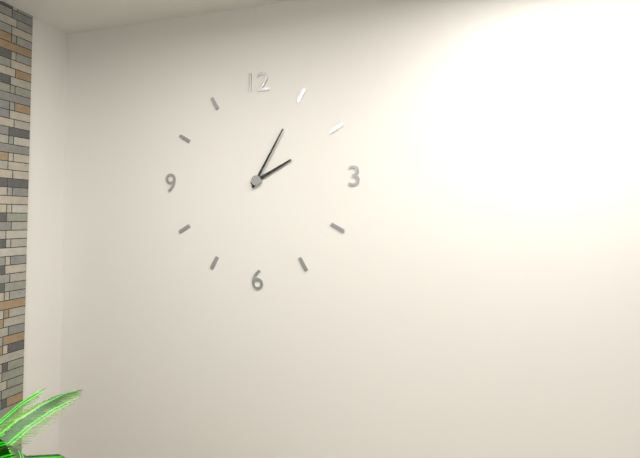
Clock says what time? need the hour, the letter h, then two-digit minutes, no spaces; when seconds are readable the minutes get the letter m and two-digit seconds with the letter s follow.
2h05
